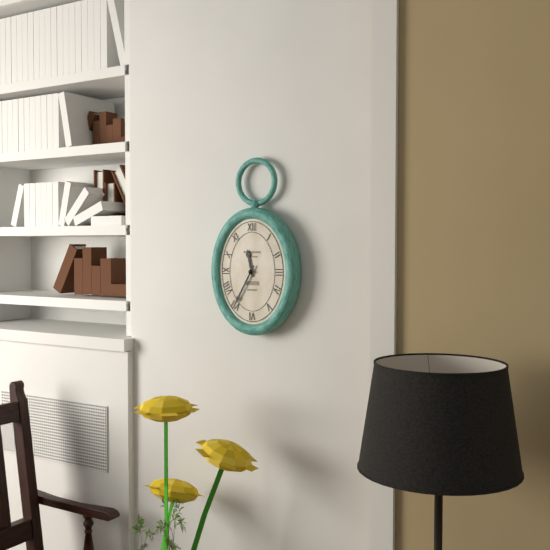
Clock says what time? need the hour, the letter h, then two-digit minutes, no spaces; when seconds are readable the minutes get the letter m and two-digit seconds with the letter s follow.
11h35
